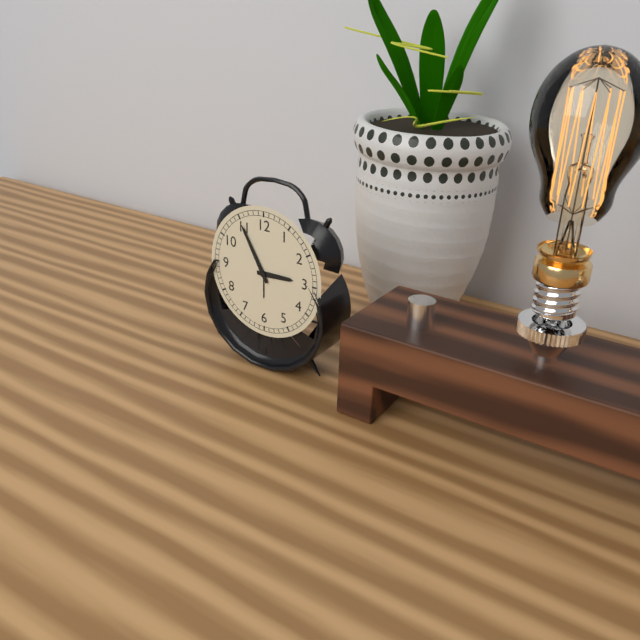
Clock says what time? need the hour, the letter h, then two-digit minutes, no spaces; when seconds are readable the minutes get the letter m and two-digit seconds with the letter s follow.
2h55
